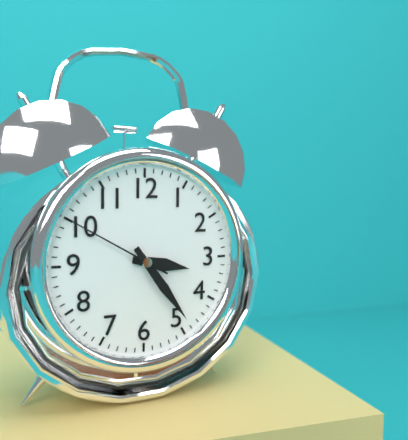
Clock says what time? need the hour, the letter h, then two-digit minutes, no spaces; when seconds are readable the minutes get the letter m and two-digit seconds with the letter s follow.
3h24m50s
